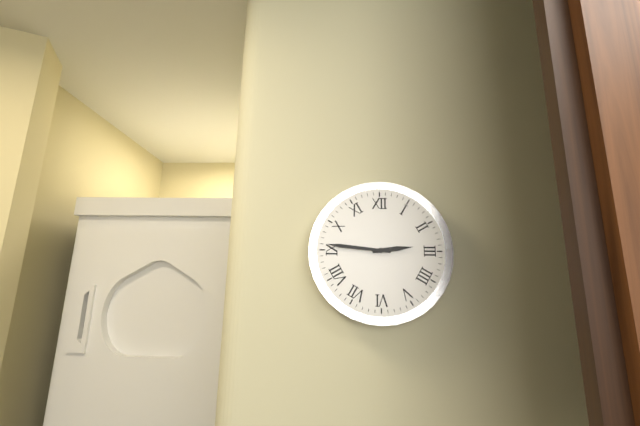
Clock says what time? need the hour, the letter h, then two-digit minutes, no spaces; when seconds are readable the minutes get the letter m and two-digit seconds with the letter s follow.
2h46
